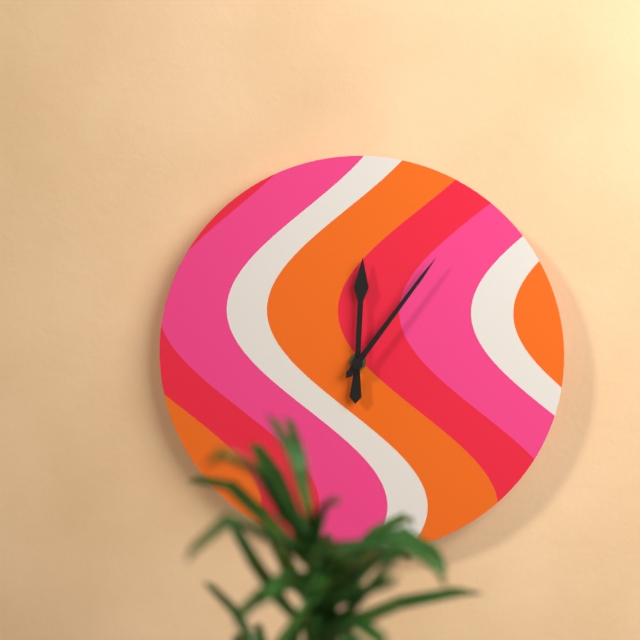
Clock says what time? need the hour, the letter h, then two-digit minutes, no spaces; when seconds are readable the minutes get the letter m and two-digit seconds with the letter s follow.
12h06
